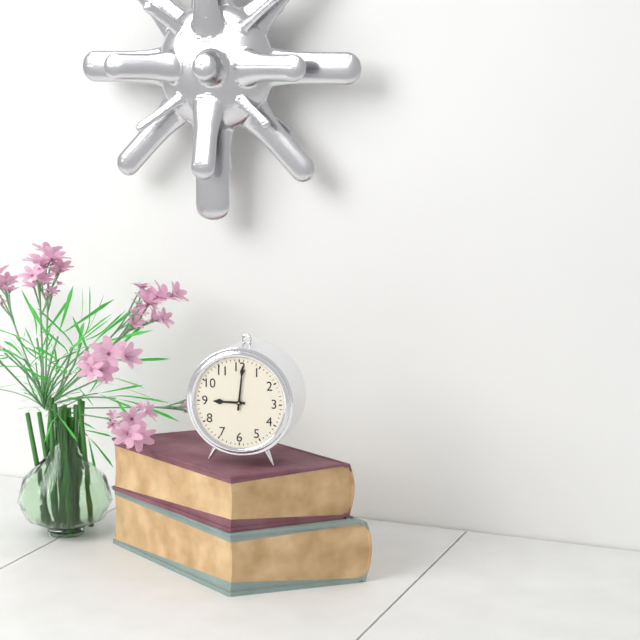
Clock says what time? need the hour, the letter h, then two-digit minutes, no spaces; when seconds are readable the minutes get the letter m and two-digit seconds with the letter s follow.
9h01
